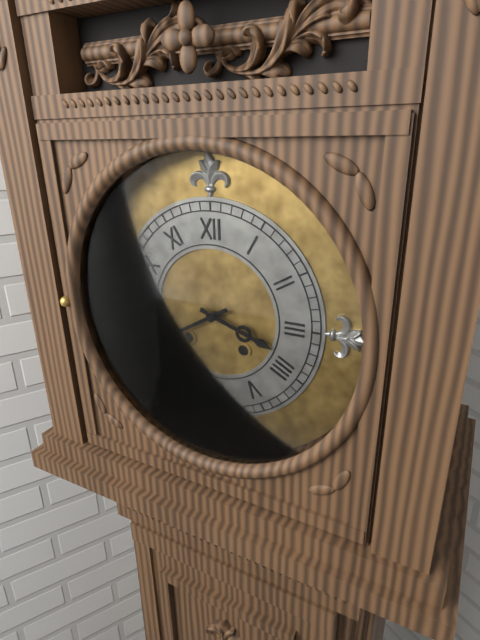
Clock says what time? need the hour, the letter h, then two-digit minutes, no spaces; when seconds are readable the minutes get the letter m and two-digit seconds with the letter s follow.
3h40
